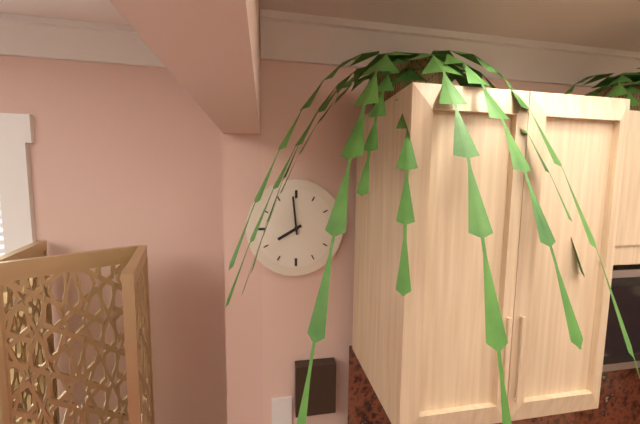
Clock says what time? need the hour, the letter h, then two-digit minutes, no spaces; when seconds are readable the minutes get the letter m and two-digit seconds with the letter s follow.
7h59
